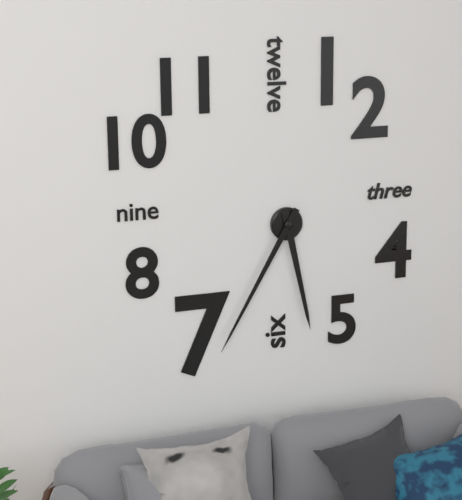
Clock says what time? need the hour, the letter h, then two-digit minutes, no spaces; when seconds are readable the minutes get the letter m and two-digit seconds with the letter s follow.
5h35
